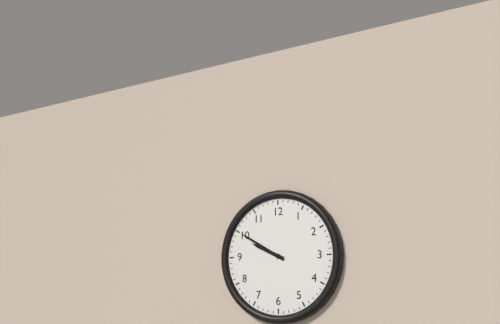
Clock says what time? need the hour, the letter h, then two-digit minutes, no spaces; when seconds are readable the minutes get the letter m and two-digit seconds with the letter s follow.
9h50
